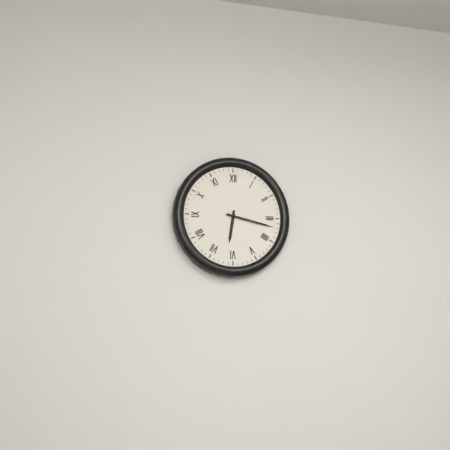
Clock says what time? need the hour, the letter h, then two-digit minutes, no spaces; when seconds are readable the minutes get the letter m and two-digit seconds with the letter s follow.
6h17
